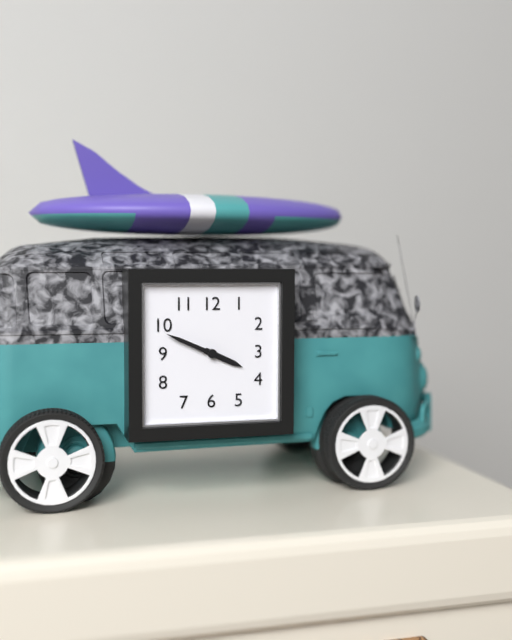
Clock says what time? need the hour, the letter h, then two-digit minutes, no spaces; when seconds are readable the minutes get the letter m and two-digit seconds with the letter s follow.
3h49
